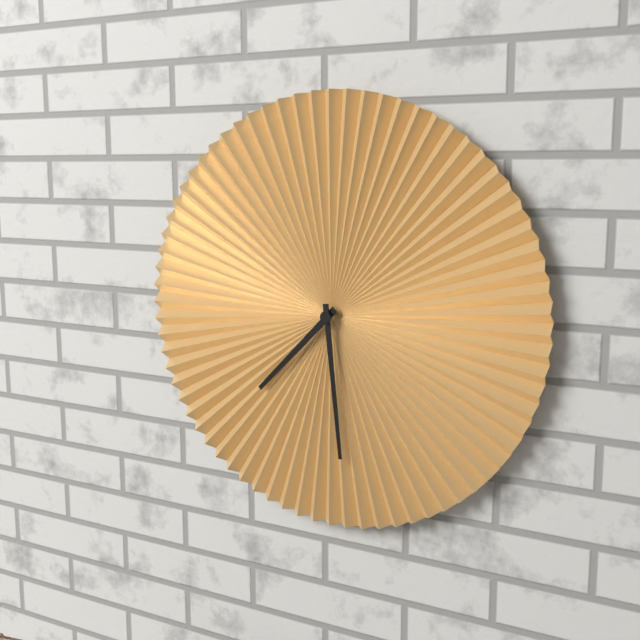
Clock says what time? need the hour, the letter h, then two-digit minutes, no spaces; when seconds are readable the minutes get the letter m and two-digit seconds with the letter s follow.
7h29
